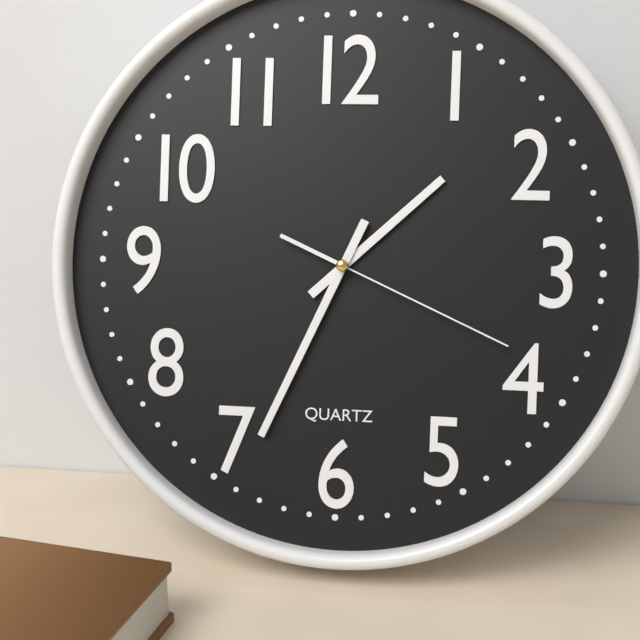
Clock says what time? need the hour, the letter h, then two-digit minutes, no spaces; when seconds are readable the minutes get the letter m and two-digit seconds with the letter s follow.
1h34m19s
